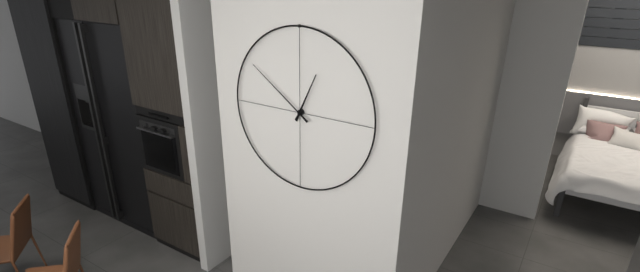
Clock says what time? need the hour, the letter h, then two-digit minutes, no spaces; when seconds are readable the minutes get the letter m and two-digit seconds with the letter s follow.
12h51
